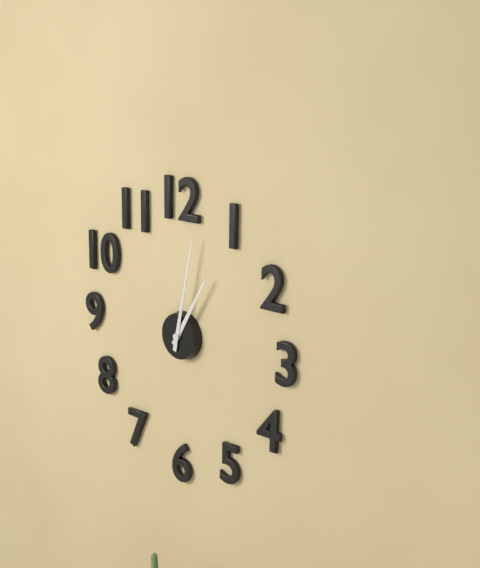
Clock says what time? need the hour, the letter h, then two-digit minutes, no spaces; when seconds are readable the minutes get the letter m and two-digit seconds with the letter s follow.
1h02
